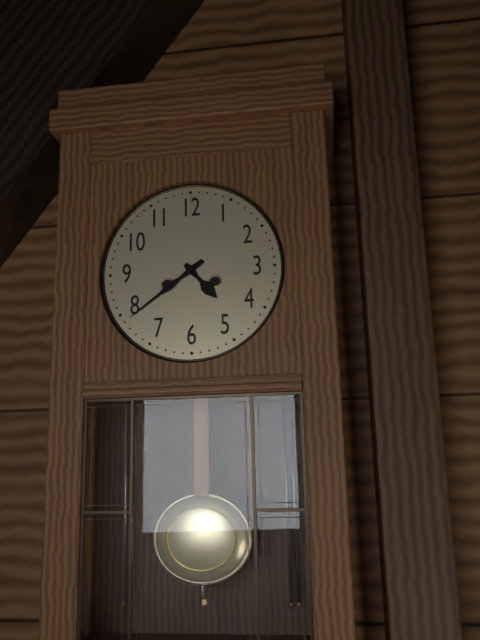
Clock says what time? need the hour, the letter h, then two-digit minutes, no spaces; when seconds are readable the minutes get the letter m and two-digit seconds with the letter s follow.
4h39
